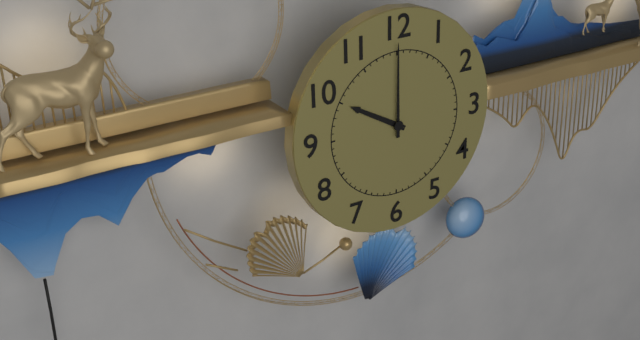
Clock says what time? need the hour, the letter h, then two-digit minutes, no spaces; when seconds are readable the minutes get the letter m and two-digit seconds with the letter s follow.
10h00
